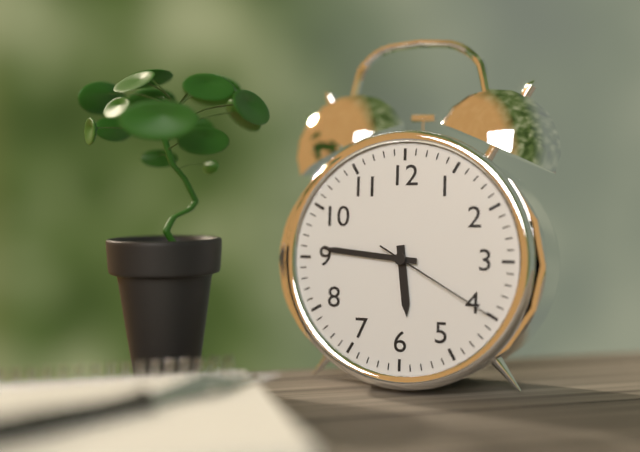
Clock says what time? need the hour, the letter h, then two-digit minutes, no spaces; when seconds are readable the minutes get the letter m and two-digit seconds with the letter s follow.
5h46m20s
